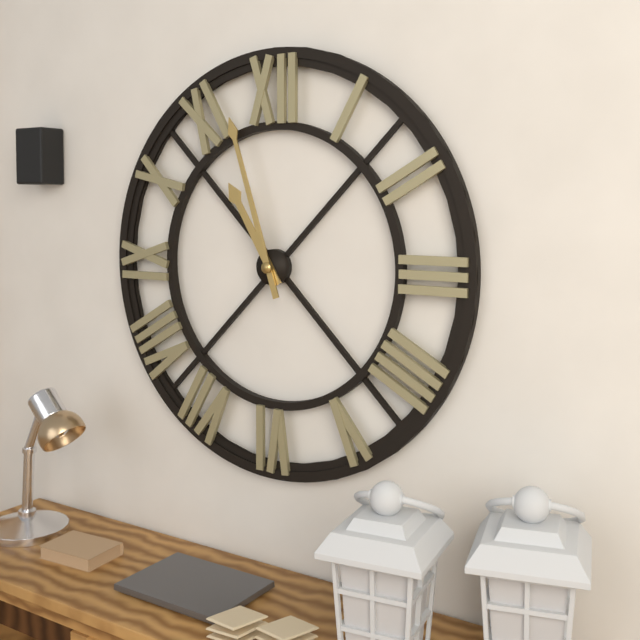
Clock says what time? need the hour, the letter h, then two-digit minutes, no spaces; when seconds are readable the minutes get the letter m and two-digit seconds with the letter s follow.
10h57
